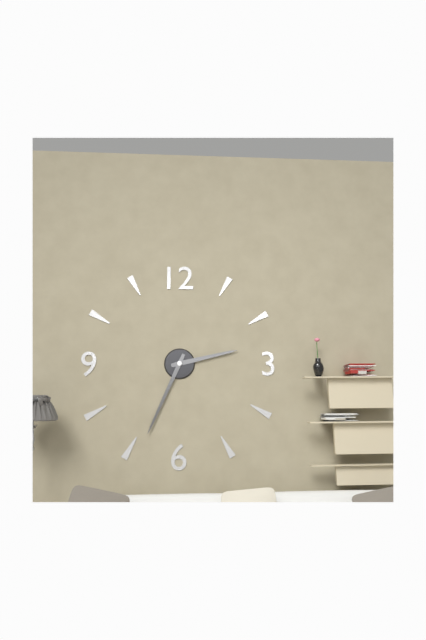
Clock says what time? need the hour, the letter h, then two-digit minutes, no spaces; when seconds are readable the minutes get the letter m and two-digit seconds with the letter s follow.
2h34
